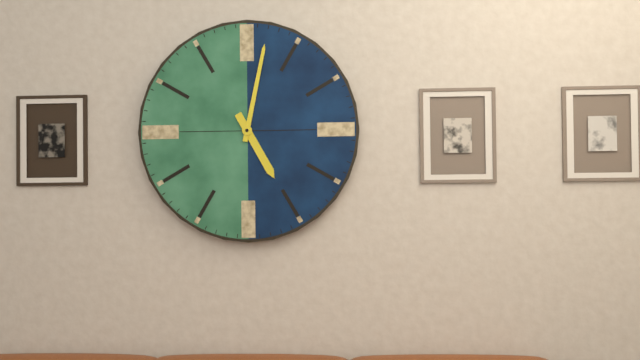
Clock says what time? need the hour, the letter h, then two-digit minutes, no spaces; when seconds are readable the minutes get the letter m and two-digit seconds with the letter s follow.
5h02
